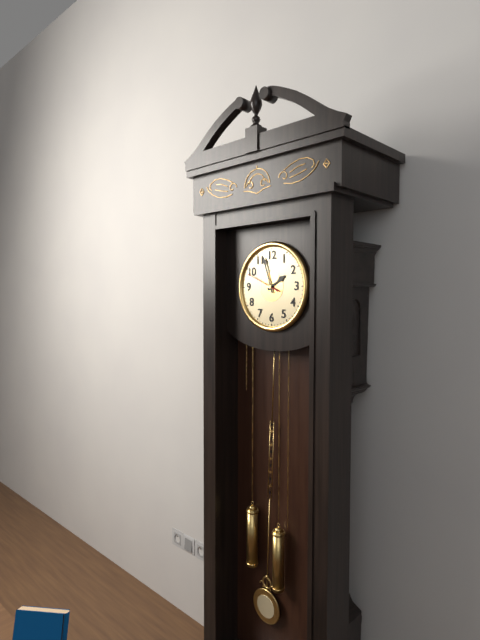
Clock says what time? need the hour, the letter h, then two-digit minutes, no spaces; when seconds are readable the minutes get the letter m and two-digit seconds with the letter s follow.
1h57
